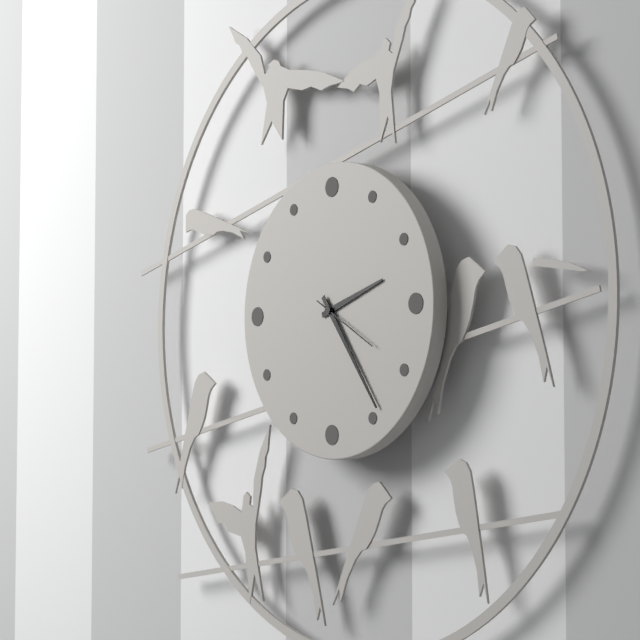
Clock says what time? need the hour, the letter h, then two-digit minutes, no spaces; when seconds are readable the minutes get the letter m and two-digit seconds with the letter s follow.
2h24m20s
